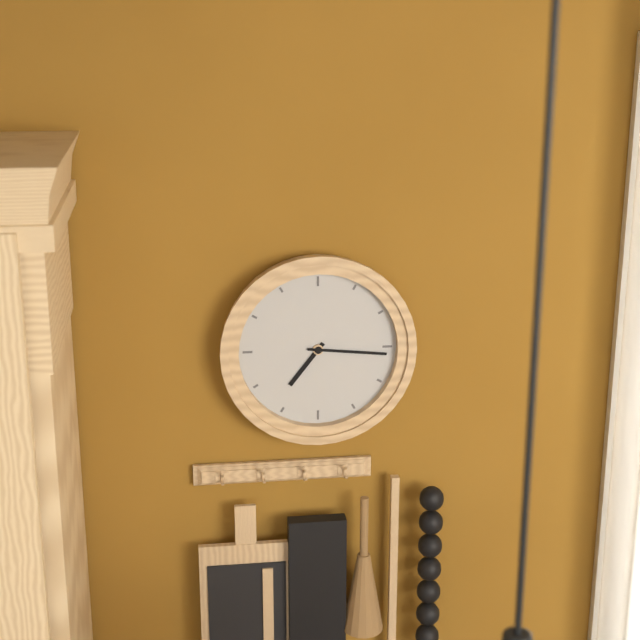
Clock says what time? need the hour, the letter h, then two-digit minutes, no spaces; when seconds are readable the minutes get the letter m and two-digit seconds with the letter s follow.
7h16
